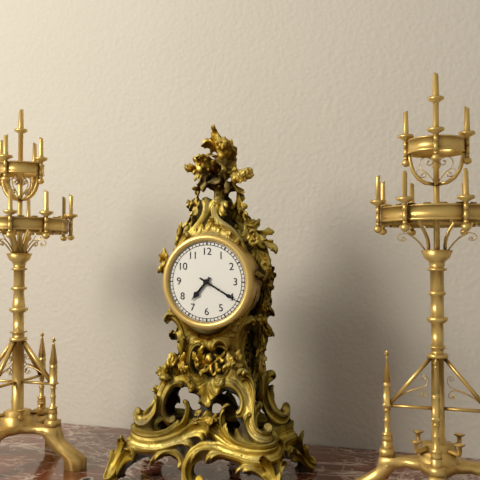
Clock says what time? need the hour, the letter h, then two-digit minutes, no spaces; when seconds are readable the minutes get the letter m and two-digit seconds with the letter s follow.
7h20
